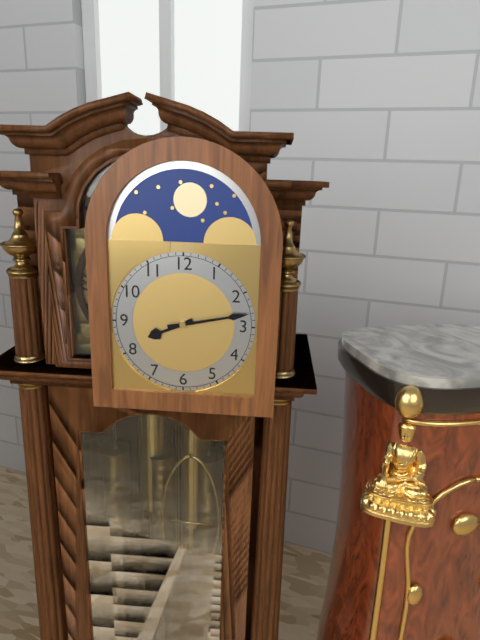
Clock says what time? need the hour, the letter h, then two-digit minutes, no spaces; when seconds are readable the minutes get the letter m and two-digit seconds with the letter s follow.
8h13
